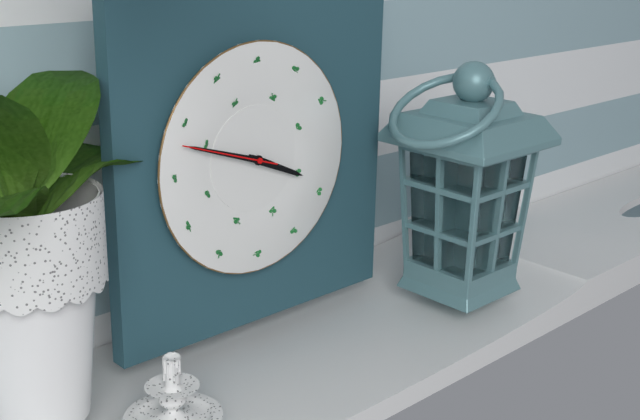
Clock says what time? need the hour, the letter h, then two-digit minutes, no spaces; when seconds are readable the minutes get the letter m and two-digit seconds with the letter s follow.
3h48m48s
